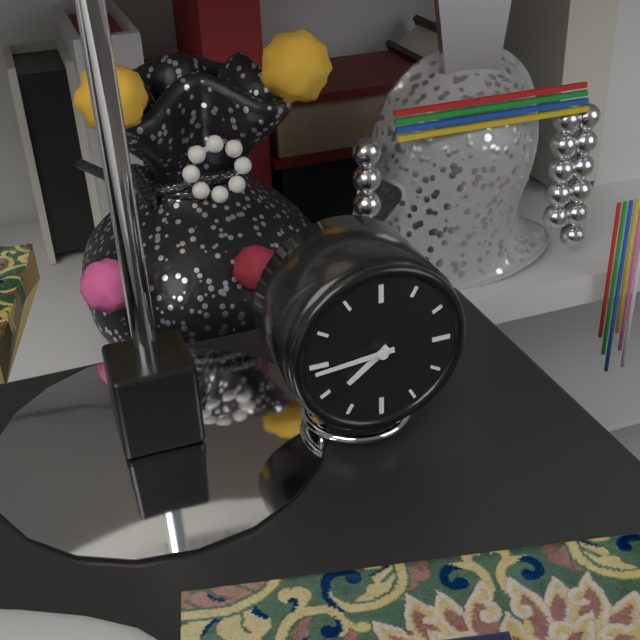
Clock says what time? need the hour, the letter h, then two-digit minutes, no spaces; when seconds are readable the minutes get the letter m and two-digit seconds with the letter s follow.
7h44
